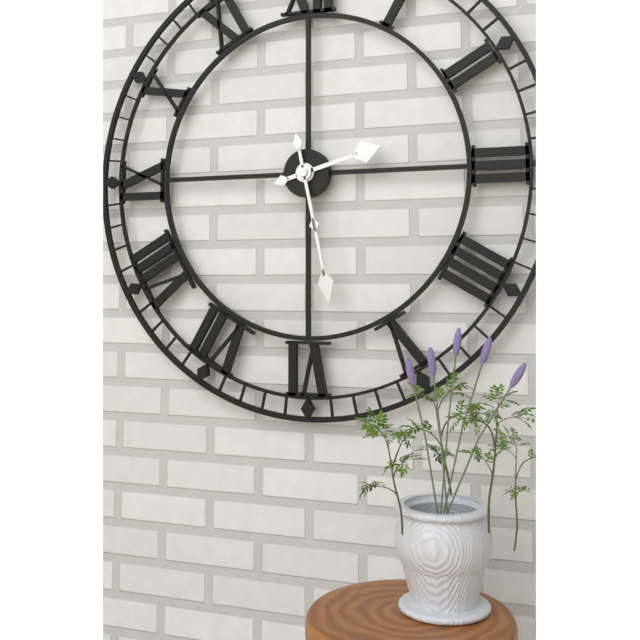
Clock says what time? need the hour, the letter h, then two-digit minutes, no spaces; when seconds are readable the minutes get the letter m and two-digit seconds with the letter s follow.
2h28
